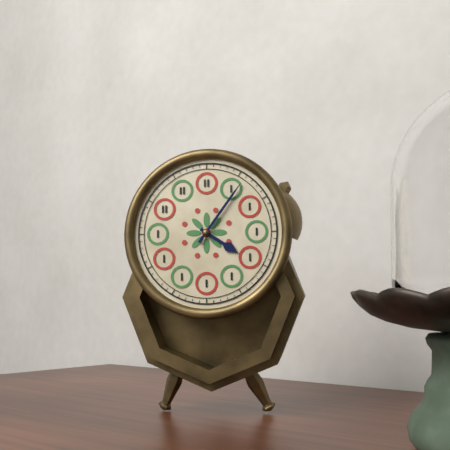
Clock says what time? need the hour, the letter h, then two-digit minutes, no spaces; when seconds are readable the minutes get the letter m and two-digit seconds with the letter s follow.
4h06
